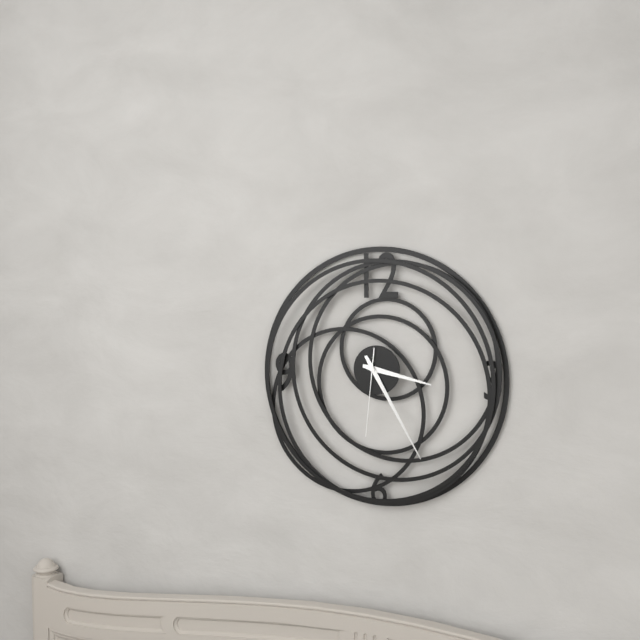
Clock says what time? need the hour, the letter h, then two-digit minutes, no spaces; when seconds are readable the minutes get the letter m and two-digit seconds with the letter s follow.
3h25m31s
